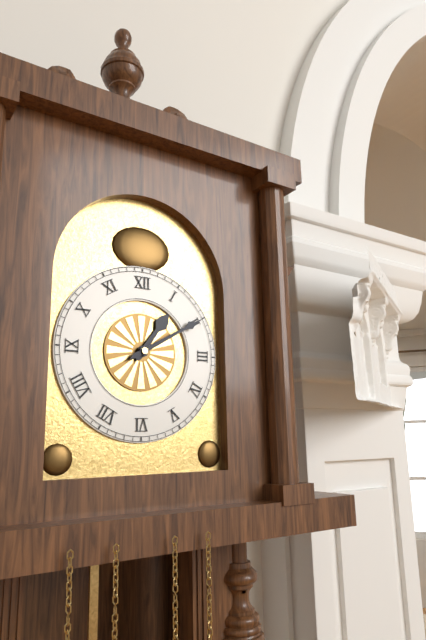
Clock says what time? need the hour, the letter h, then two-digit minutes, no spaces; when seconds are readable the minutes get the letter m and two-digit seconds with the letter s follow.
1h10
